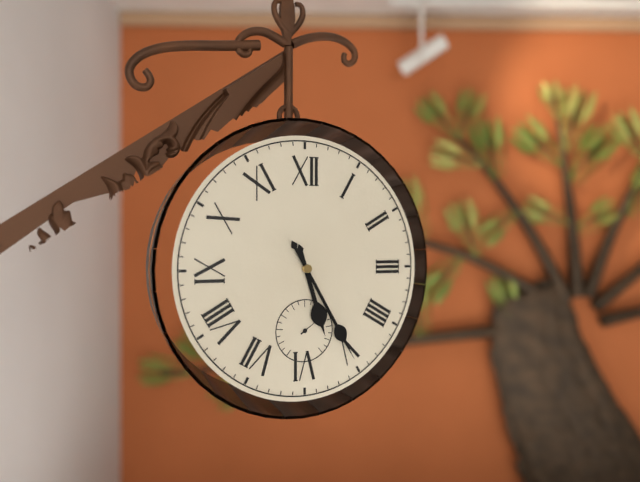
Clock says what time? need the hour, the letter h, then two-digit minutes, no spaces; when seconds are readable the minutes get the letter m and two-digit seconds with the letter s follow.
5h25
